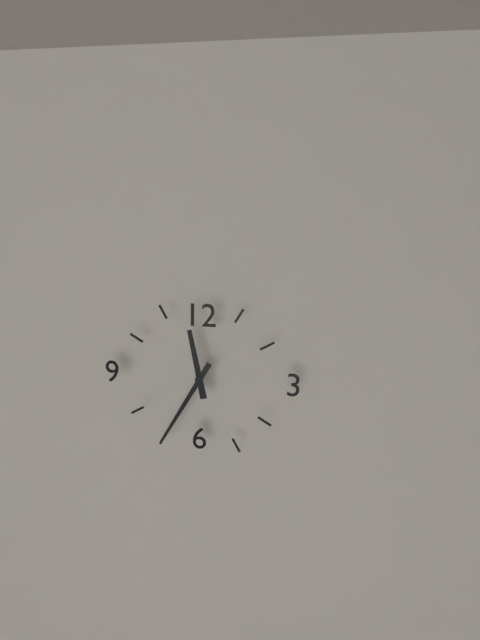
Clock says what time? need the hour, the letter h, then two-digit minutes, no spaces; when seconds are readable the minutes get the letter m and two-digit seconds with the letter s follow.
11h35
